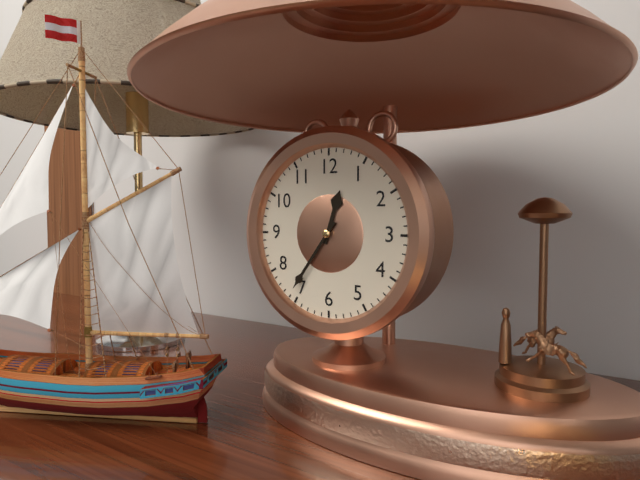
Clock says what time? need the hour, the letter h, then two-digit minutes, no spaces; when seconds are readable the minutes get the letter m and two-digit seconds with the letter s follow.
12h36
